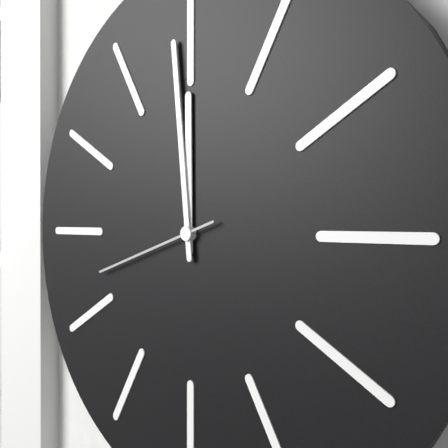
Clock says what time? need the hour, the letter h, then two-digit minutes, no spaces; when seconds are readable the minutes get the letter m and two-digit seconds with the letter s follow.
11h59m42s
